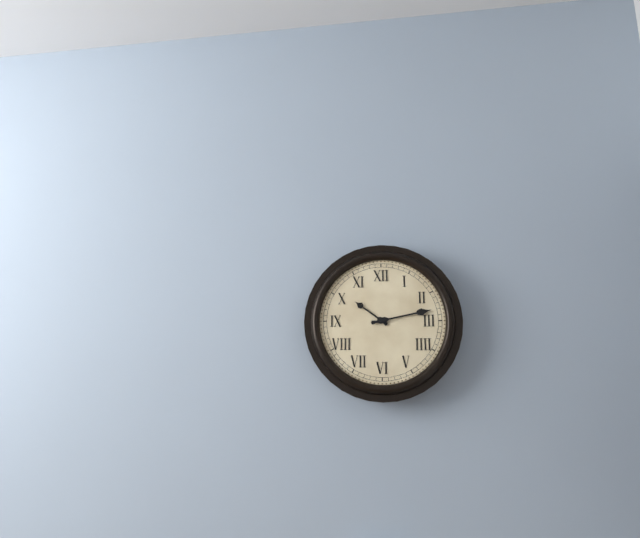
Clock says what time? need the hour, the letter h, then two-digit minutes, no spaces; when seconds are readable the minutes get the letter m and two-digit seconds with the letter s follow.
10h13
